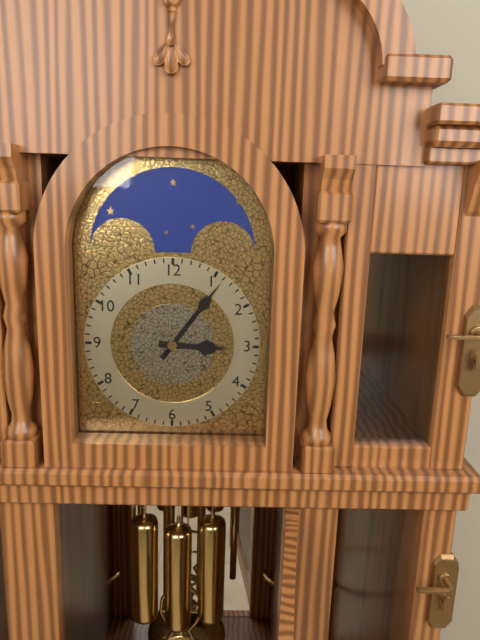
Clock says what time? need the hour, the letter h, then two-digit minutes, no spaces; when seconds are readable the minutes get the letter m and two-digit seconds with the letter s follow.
3h06
